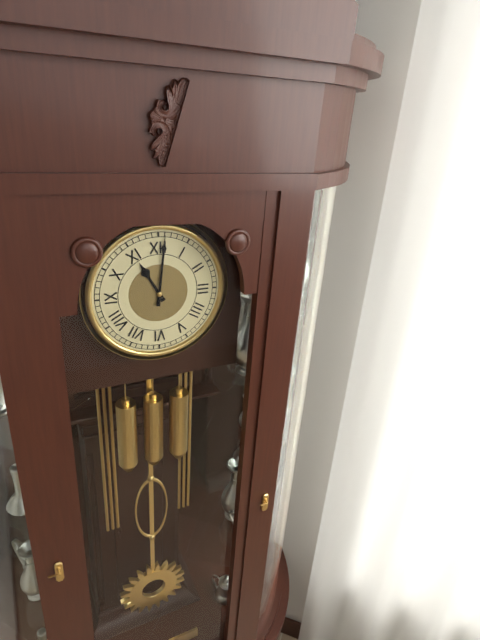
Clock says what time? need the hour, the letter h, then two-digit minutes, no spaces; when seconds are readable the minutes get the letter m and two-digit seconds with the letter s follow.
11h01
